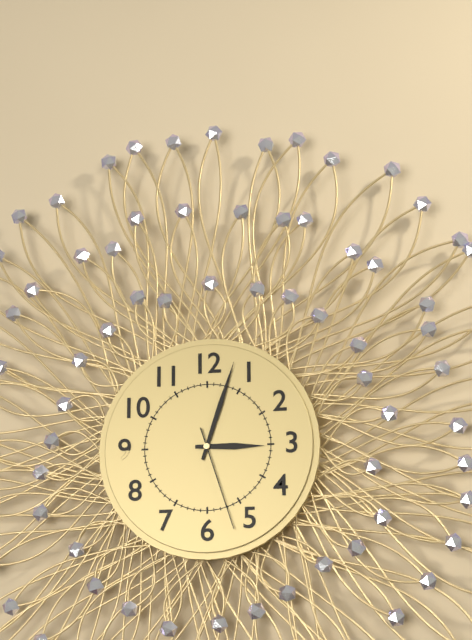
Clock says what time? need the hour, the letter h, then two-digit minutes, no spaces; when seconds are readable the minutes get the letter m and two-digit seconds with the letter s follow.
3h03m27s
